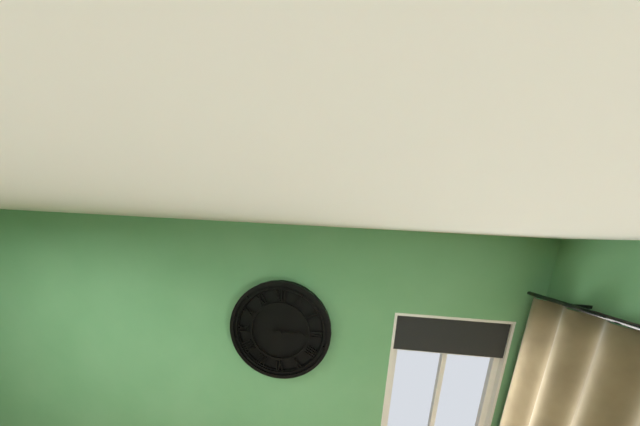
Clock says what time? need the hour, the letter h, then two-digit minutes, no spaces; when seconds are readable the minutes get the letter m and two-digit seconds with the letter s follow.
3h05
